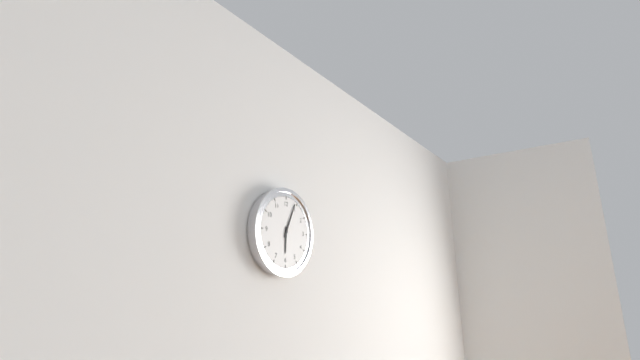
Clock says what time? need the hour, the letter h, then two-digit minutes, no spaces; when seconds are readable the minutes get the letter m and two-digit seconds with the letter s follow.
6h04
